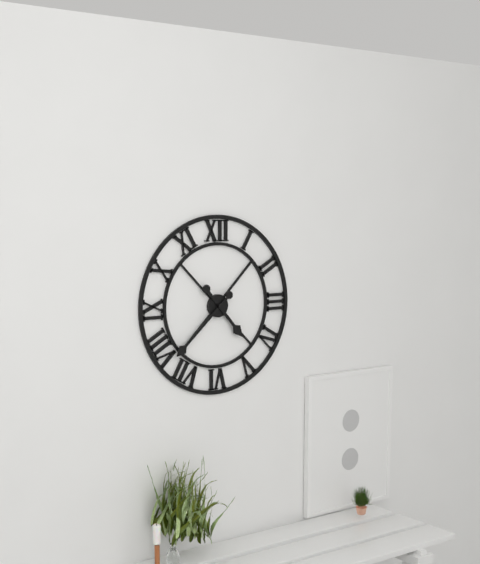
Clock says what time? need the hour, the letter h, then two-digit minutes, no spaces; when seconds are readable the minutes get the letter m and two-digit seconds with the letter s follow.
4h38
